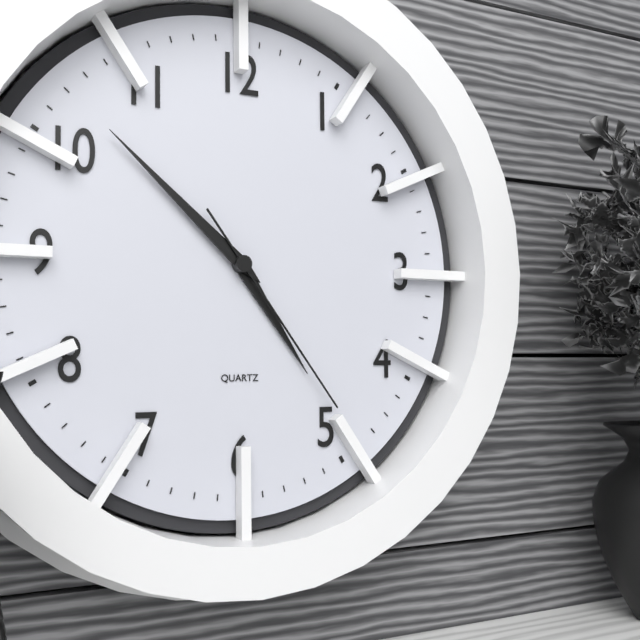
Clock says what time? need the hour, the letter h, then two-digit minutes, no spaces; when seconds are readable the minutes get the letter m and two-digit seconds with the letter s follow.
4h52m24s
